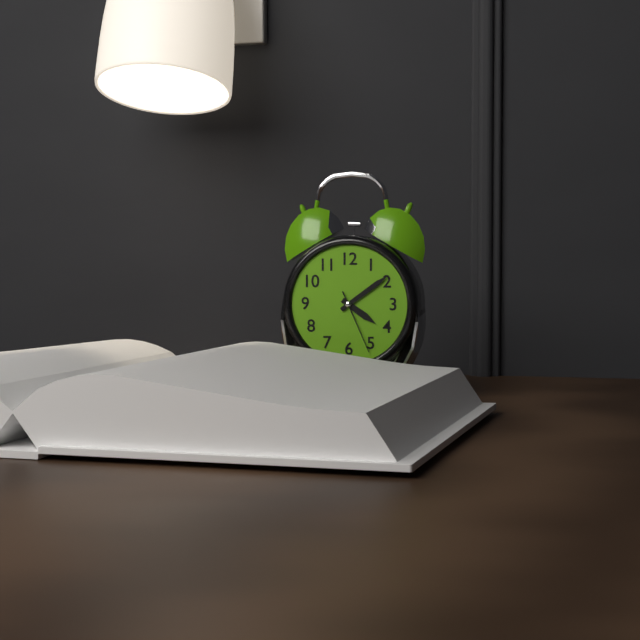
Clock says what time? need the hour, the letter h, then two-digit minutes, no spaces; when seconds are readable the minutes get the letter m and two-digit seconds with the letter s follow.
4h09m26s
